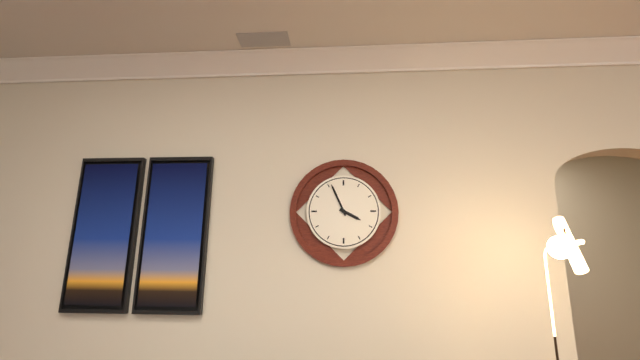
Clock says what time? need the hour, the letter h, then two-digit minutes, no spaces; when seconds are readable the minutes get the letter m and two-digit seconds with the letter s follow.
3h56
